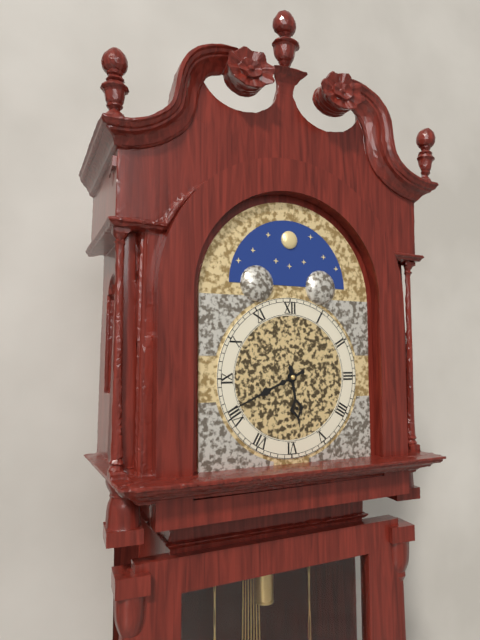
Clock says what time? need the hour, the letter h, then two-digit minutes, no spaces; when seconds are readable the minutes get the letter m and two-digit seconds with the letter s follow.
5h41
